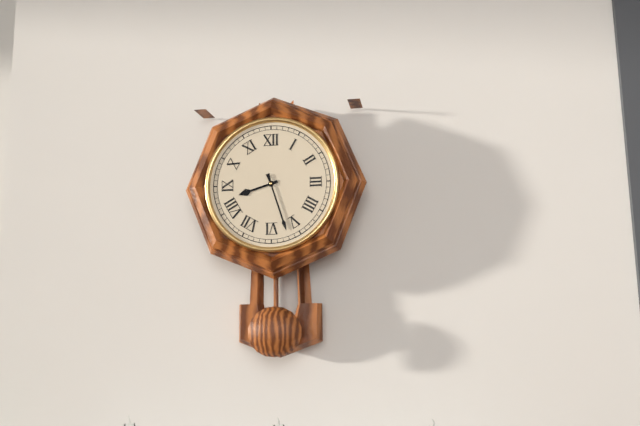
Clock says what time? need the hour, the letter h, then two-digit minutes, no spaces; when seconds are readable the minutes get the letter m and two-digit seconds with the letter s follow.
8h27
